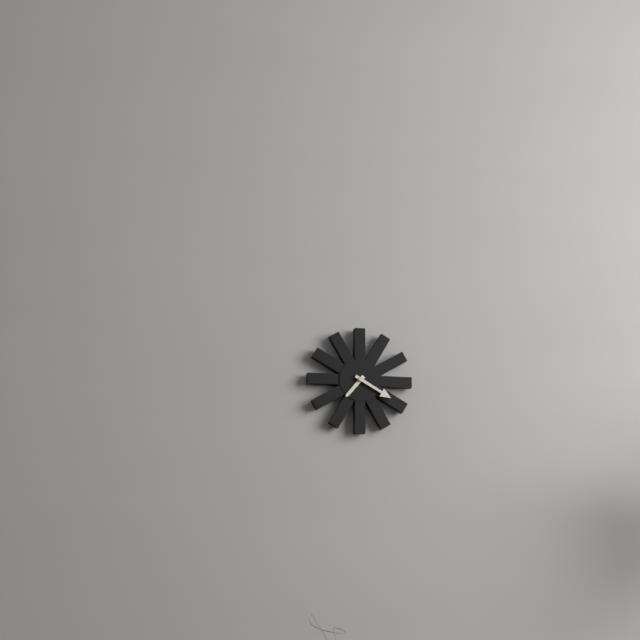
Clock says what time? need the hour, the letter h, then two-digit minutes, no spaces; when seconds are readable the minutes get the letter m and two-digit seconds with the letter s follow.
7h20
